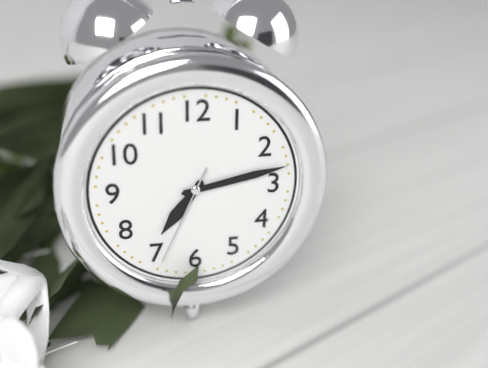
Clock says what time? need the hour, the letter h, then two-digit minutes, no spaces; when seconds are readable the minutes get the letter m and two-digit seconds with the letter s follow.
7h13m34s
